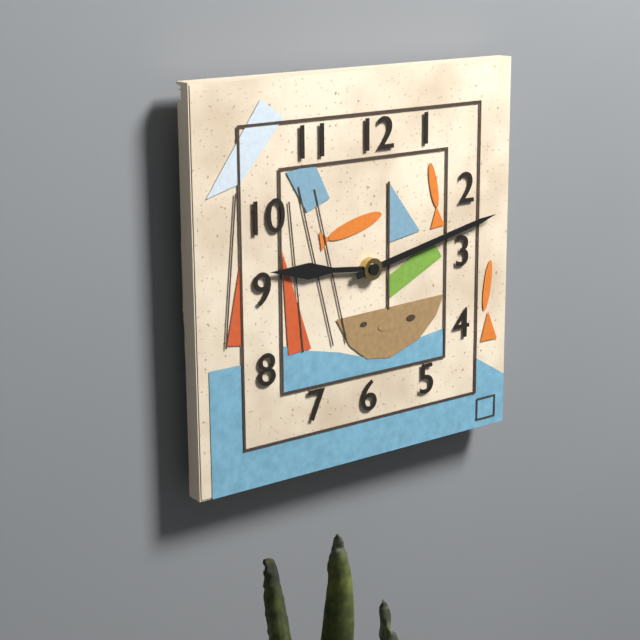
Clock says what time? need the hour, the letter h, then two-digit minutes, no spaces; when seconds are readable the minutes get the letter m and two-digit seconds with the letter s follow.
9h13
